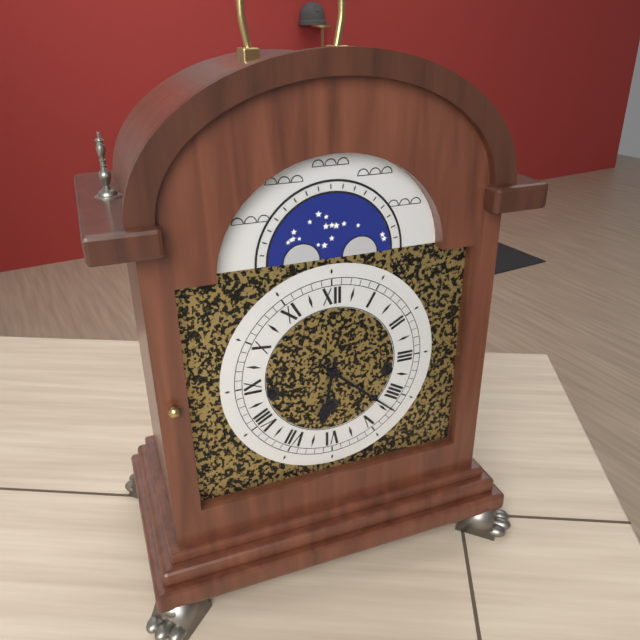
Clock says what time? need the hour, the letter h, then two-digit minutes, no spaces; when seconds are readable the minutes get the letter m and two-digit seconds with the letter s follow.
6h22
